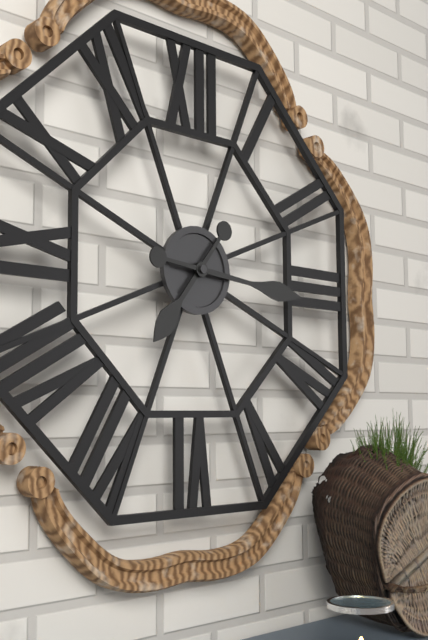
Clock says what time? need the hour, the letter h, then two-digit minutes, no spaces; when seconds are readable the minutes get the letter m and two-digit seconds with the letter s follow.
7h16
